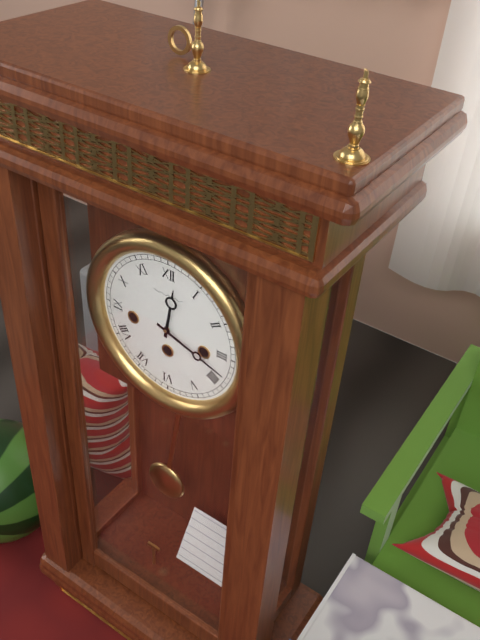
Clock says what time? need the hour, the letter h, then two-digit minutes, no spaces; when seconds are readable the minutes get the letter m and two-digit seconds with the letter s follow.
12h18
